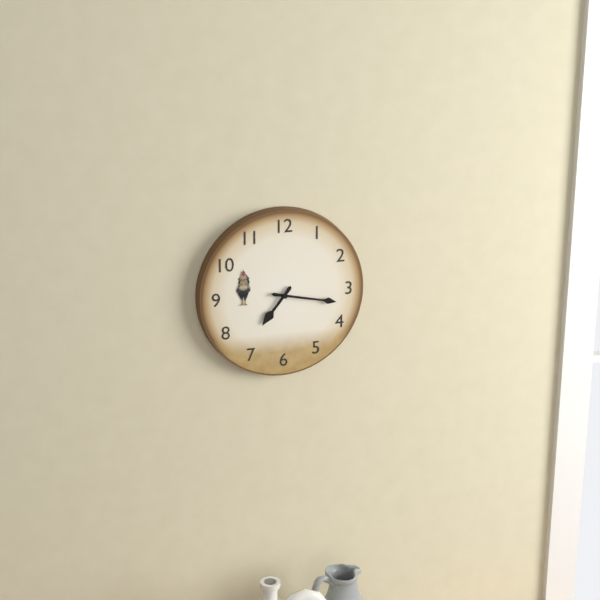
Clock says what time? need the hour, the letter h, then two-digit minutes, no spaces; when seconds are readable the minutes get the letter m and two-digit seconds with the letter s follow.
7h17
